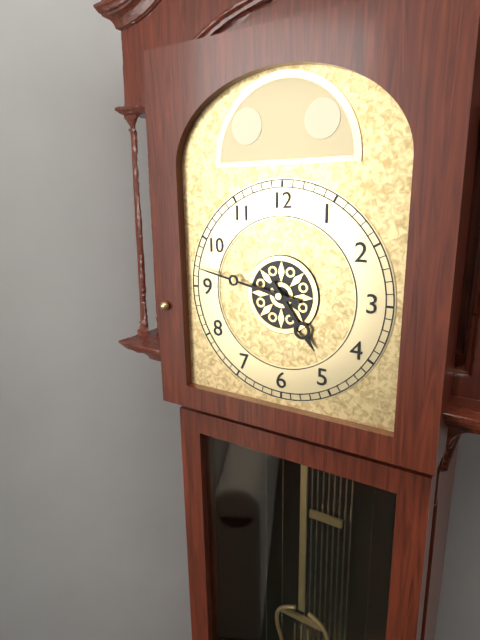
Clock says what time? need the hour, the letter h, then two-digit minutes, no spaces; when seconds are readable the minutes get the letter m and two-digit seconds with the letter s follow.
4h47
